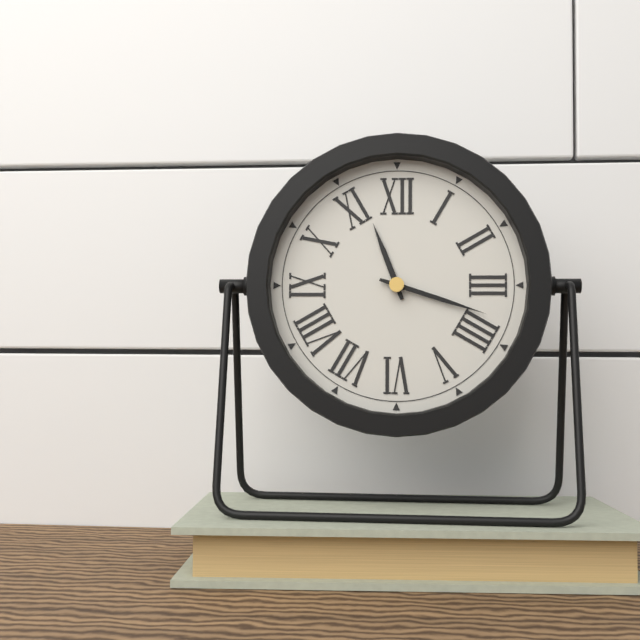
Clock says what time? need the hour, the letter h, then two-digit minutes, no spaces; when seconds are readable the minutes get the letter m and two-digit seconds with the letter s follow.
11h18
